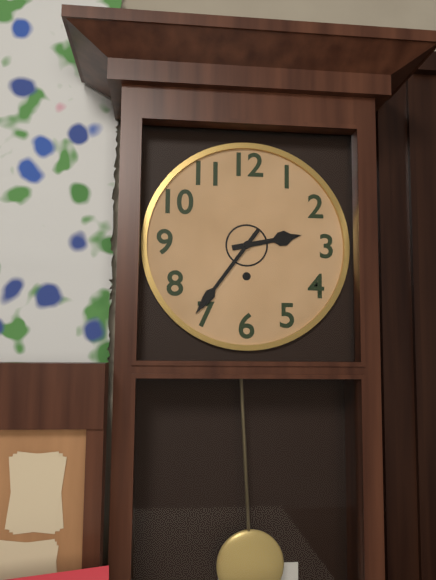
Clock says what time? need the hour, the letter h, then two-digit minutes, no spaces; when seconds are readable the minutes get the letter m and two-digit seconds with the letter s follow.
2h36
